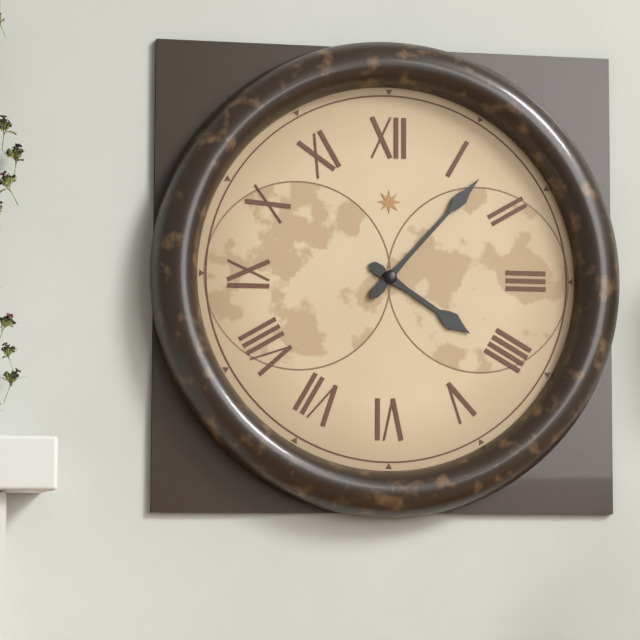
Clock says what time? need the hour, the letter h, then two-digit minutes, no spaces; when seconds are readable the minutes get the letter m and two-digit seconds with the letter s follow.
4h07
